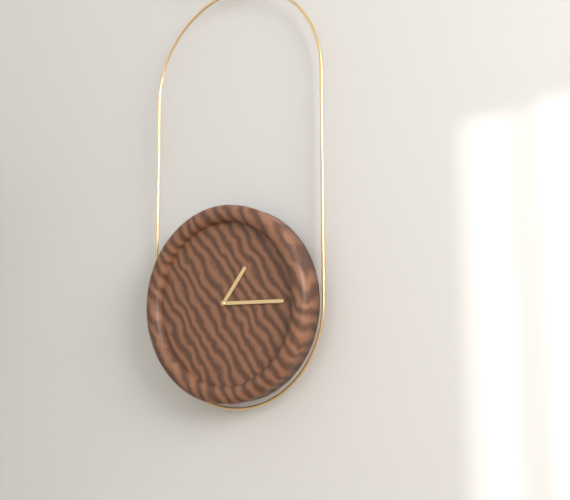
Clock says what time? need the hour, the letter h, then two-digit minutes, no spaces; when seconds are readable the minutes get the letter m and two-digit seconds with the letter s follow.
1h15
